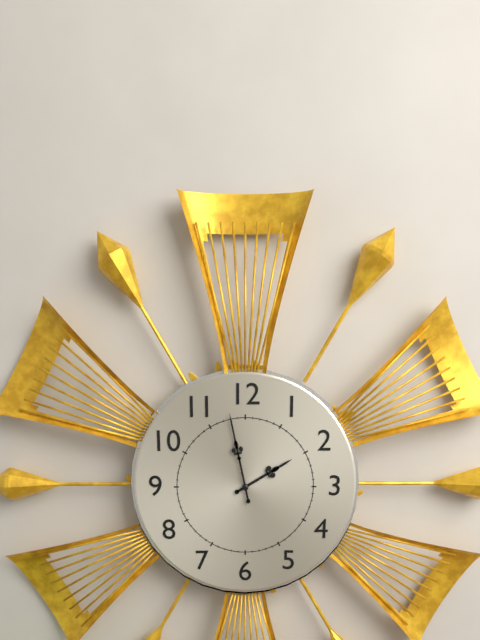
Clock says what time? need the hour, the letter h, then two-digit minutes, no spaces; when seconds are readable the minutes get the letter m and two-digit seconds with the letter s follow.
1h58
